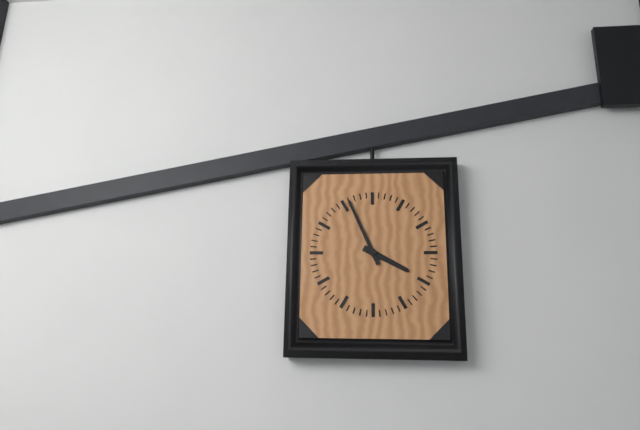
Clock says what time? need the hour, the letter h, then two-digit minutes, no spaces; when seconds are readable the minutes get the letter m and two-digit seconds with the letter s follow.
3h56
